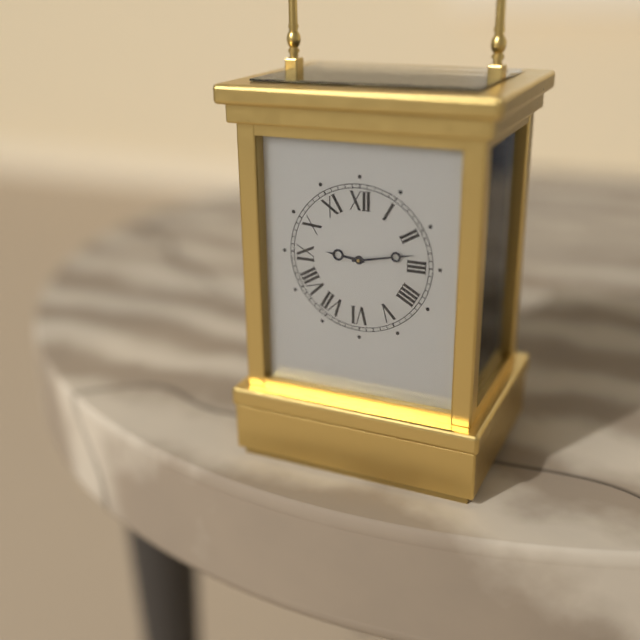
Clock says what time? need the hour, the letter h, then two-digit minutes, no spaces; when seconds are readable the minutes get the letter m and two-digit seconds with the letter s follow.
9h13
